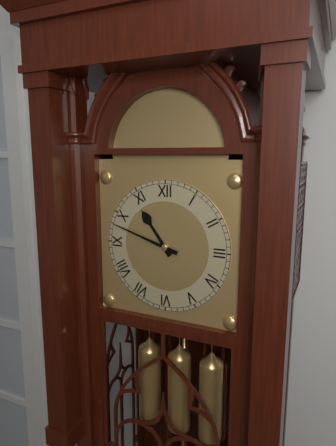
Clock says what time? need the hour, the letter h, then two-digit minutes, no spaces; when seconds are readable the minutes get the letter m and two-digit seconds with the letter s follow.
10h48
